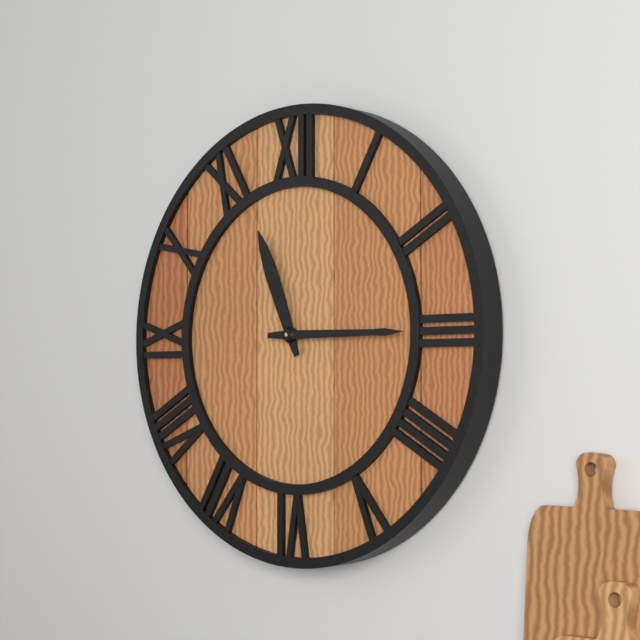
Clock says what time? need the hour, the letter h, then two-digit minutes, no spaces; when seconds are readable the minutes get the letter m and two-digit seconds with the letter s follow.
11h15
